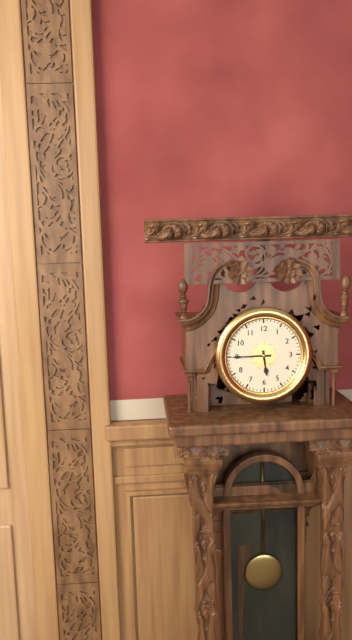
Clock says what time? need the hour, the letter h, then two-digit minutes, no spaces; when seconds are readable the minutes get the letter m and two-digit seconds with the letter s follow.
5h45
